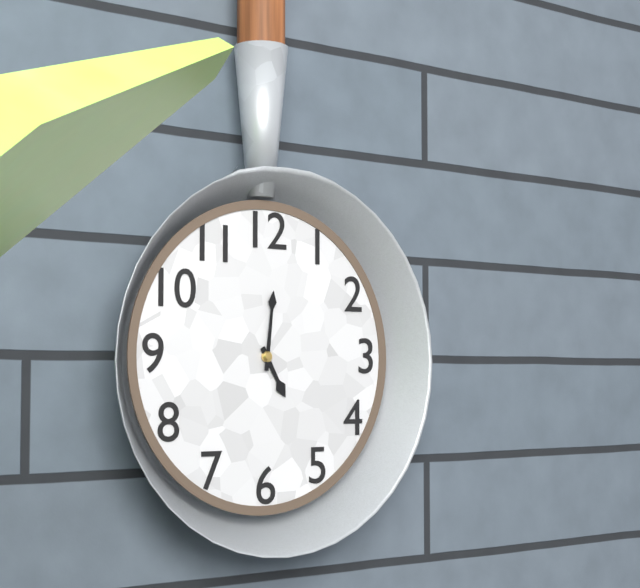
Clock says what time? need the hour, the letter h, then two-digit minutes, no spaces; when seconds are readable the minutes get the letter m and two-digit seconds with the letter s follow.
5h01
